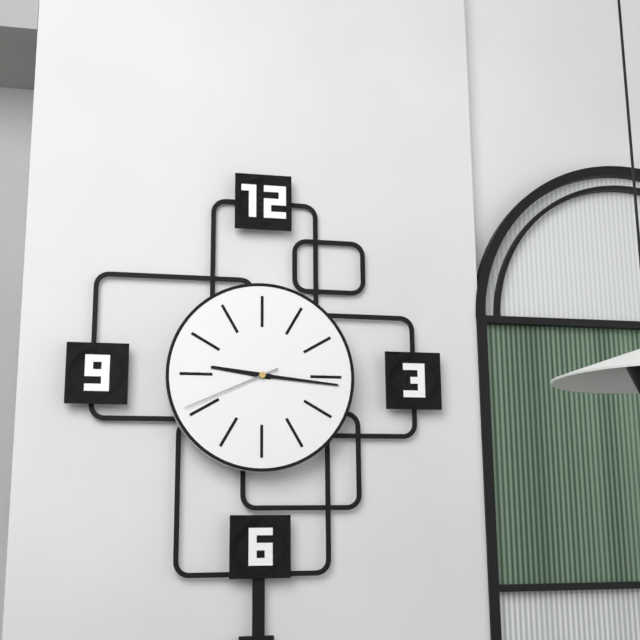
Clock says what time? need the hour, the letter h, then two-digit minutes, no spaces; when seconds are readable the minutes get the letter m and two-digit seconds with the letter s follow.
9h16m41s
